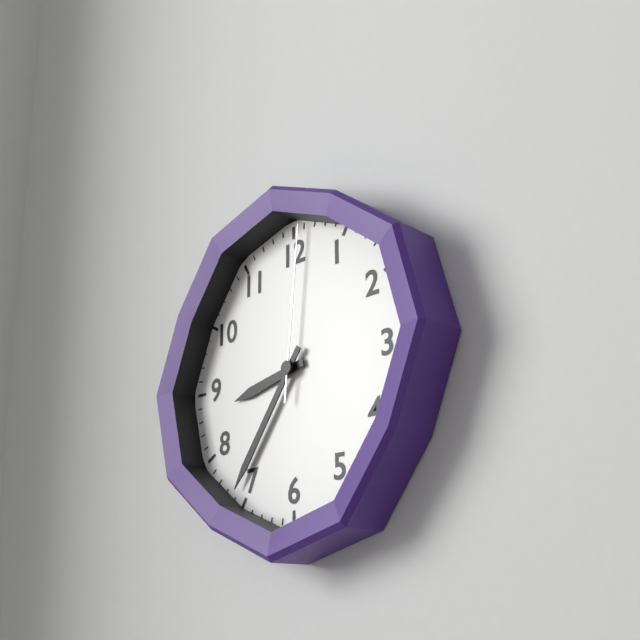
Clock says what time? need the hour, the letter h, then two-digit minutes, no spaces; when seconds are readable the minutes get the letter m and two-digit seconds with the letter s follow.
8h36m01s
